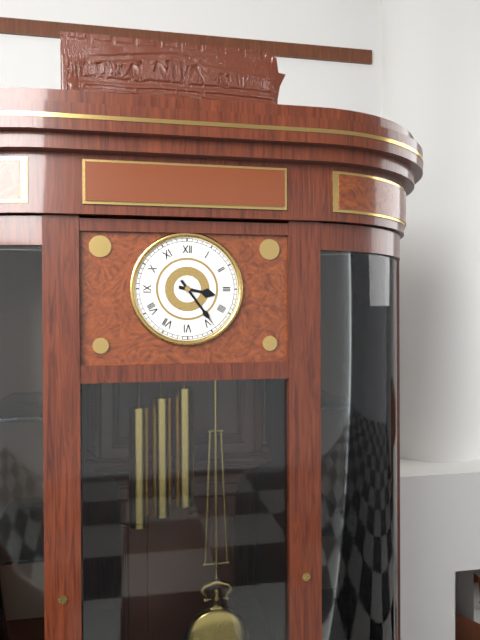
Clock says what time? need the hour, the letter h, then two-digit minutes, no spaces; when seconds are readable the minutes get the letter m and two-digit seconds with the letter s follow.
3h24
